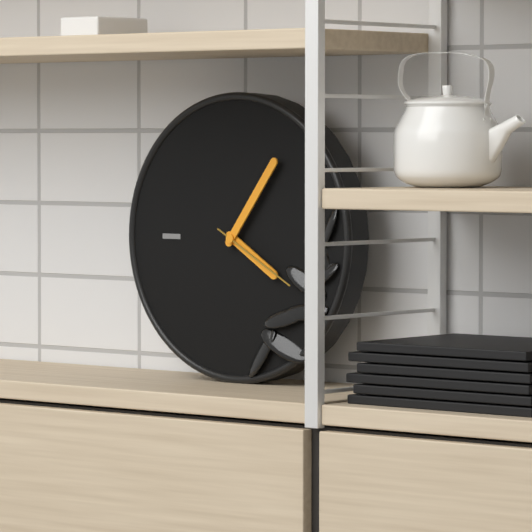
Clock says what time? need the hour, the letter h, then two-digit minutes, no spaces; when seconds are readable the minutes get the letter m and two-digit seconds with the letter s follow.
4h06m20s
